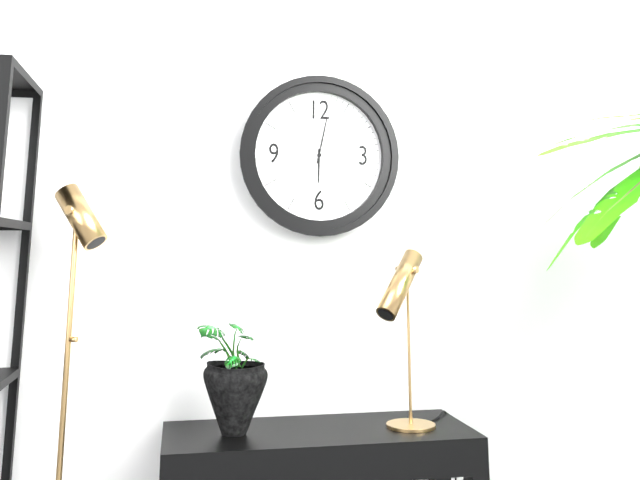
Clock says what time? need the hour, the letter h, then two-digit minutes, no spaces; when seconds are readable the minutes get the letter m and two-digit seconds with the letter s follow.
6h02
